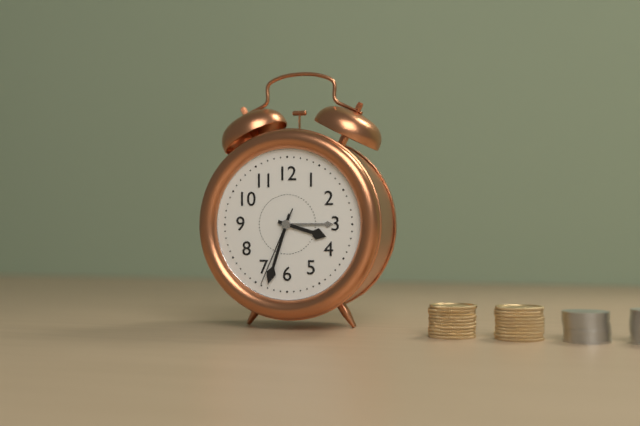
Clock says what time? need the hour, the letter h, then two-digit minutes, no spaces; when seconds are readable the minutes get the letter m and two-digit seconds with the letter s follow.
3h33m34s
